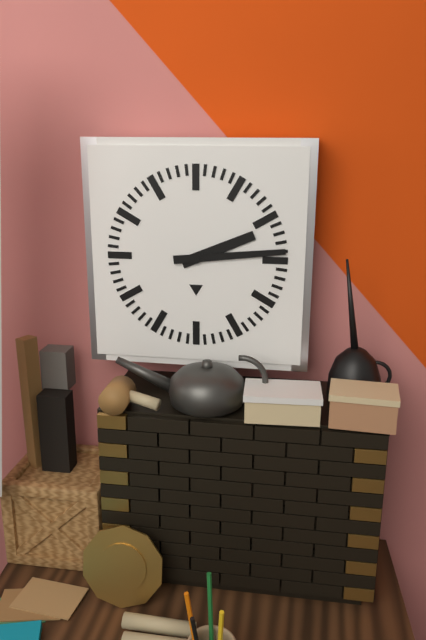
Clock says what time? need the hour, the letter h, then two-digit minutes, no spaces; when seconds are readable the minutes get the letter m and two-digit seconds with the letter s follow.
2h14
